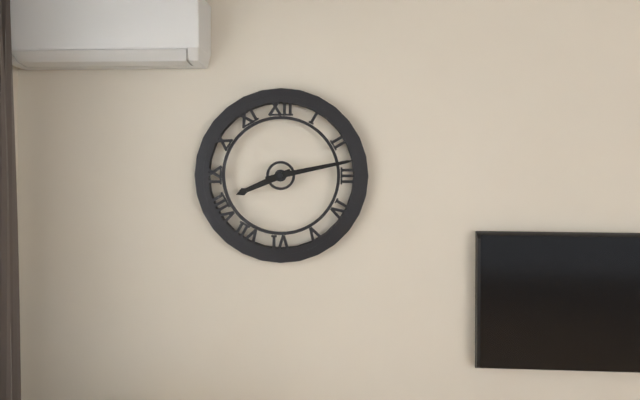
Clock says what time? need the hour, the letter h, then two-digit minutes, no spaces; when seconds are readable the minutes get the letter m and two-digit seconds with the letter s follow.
8h13
